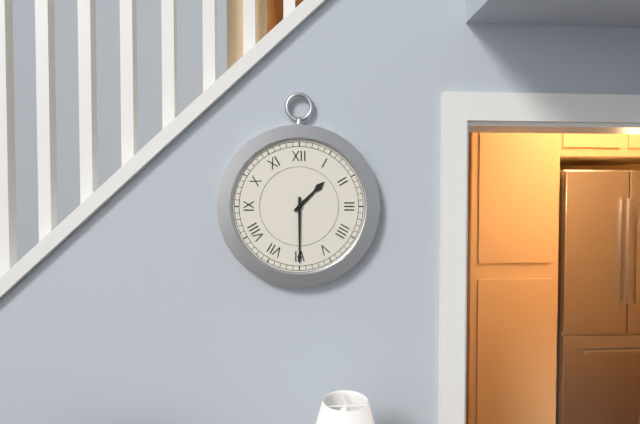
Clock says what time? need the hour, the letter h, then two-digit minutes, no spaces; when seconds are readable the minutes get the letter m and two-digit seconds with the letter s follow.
1h30
